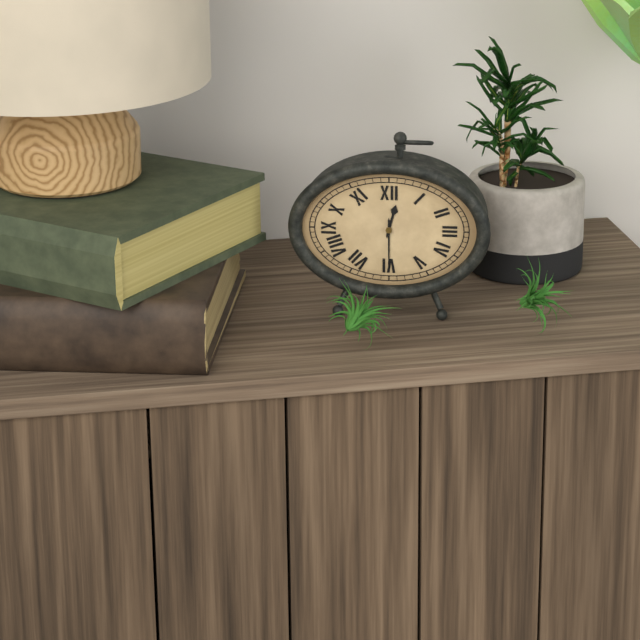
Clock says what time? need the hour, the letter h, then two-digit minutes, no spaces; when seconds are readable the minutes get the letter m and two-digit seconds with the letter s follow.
12h30
